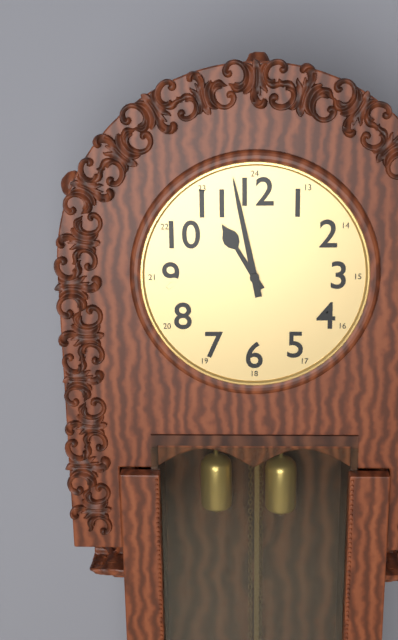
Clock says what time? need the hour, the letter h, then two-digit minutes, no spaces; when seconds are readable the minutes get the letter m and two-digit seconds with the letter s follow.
10h58
